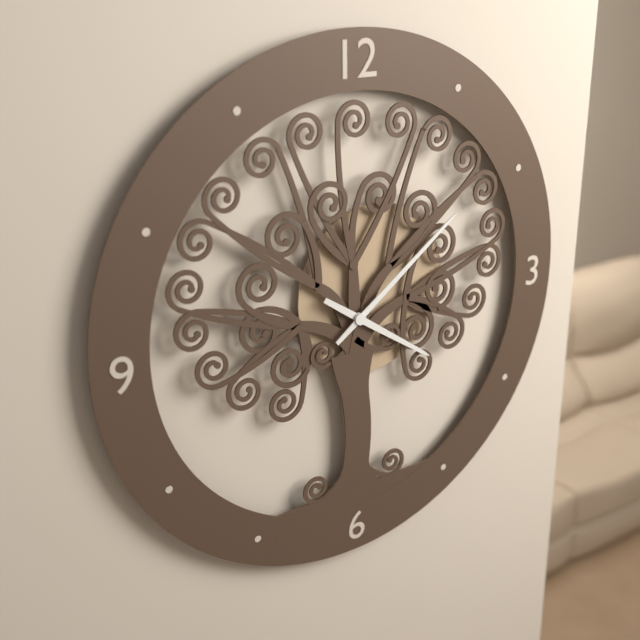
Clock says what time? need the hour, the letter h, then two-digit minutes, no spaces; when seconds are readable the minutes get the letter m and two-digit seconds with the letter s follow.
4h09
